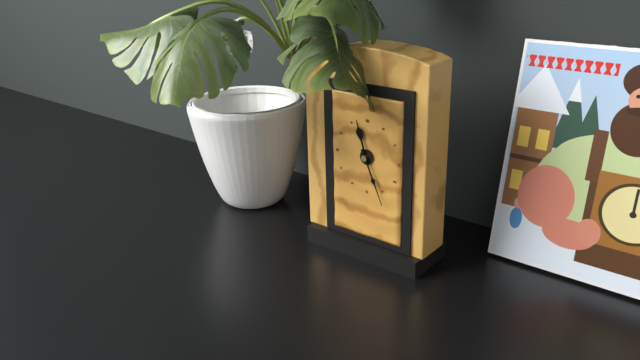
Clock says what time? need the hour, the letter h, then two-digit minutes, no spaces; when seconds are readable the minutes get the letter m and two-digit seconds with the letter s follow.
11h26
